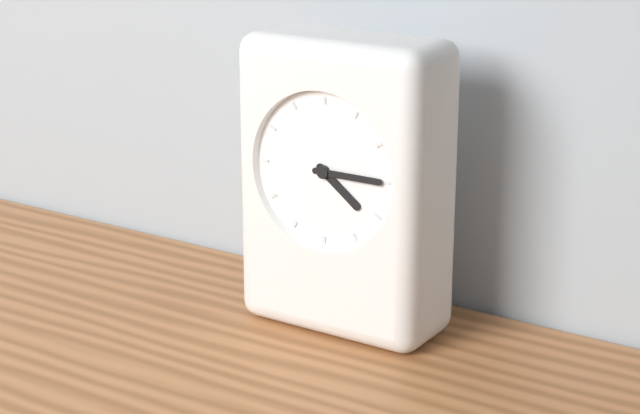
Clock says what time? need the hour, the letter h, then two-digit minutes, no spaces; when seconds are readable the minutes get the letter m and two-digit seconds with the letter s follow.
4h15
